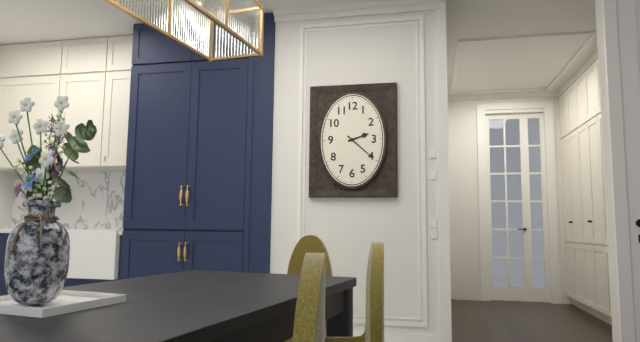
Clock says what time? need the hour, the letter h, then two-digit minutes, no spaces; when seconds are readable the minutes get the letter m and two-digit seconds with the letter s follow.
2h22
